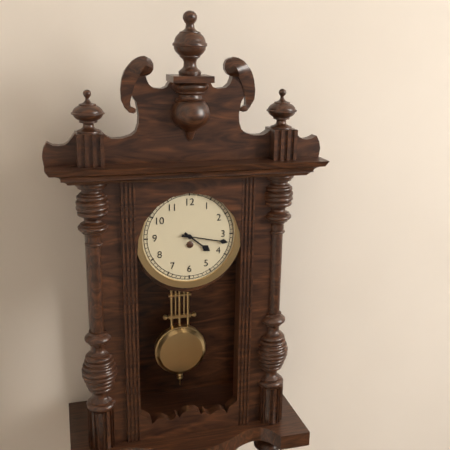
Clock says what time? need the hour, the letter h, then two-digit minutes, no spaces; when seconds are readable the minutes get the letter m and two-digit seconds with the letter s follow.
4h17
